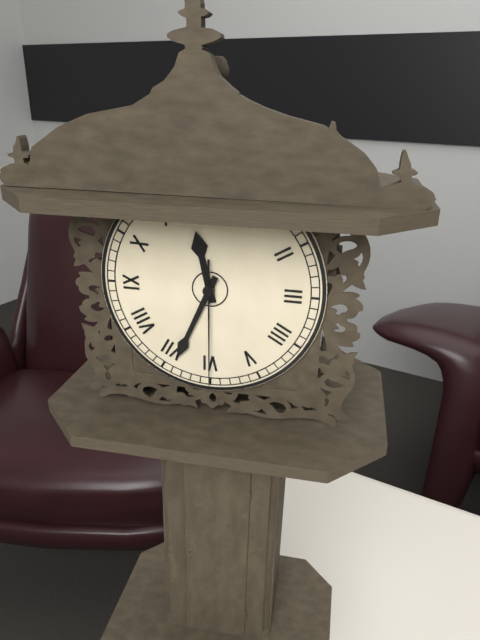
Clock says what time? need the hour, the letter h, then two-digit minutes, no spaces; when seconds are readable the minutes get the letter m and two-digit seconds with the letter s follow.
11h34m30s
